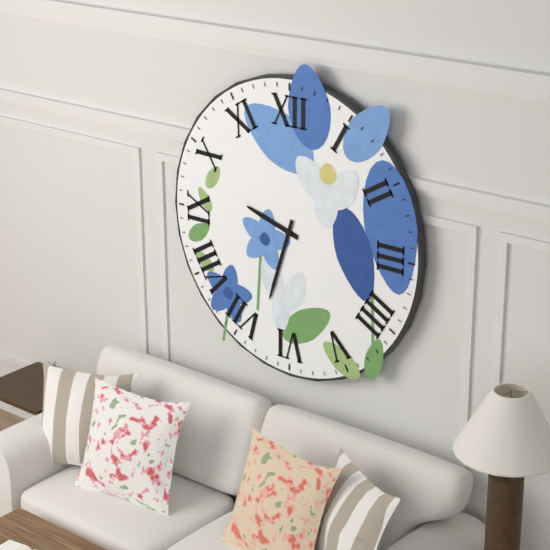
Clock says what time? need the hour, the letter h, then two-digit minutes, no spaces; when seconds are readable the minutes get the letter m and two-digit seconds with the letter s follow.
9h33
